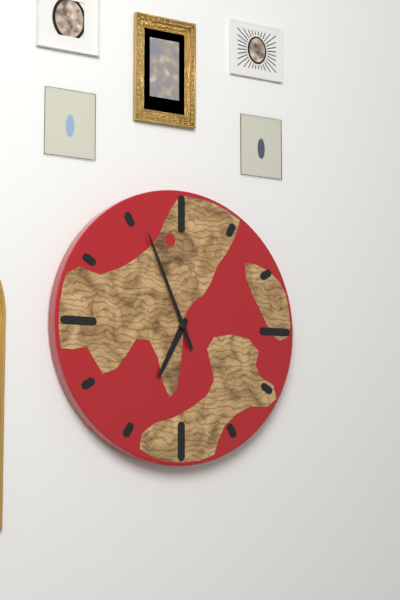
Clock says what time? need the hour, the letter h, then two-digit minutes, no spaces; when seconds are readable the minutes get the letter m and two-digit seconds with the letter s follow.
6h56
